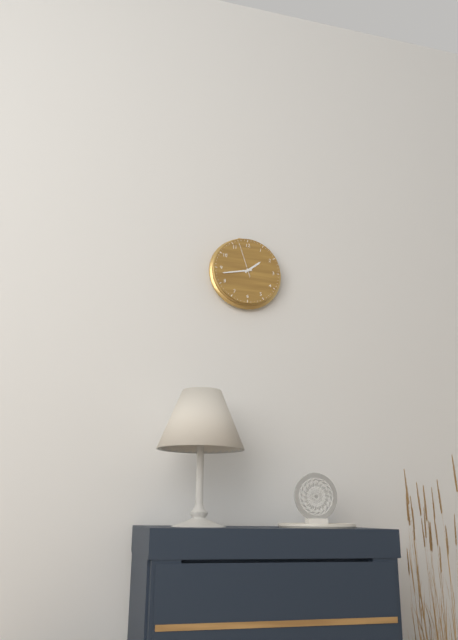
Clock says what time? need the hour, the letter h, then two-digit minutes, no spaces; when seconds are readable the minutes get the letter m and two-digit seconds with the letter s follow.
1h43
